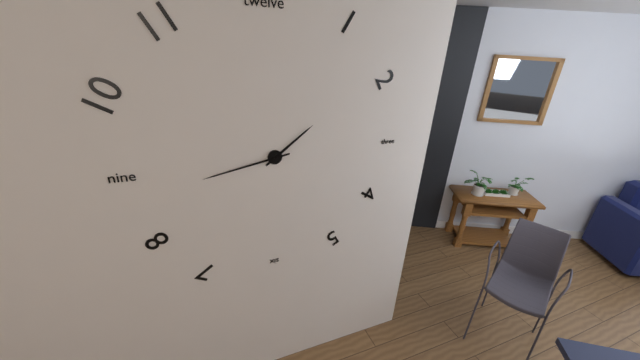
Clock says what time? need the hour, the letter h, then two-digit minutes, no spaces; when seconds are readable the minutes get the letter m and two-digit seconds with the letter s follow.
1h43
